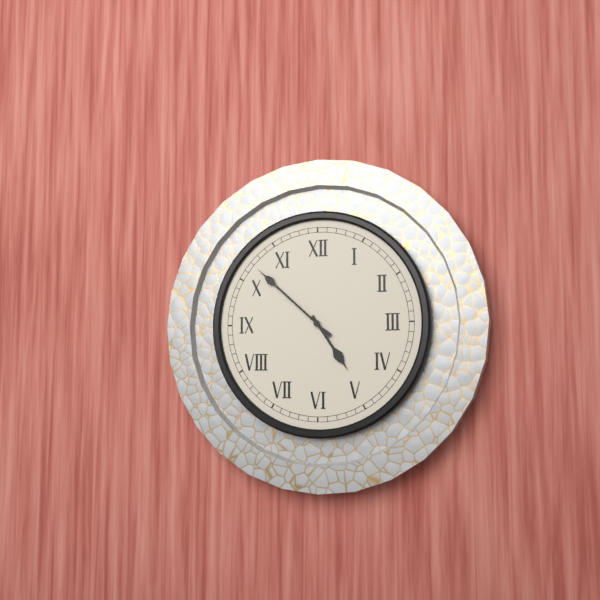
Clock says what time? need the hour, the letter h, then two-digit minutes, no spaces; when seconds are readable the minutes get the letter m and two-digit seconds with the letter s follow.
4h52
